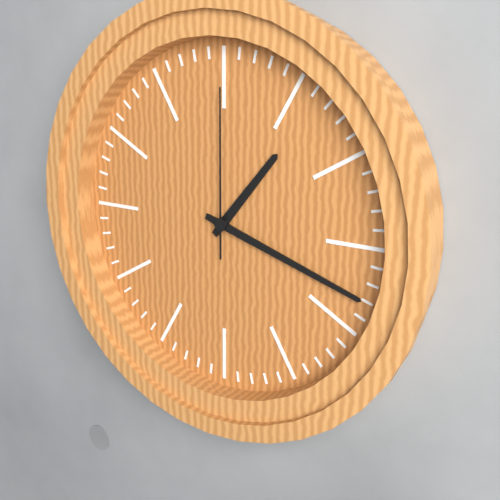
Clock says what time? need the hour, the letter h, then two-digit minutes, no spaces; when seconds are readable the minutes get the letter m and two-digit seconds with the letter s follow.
1h18m00s
